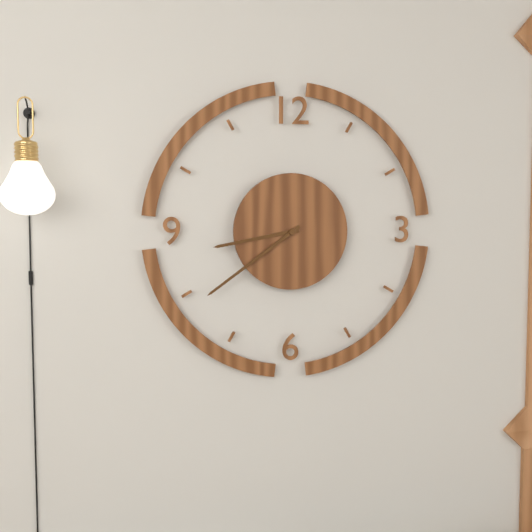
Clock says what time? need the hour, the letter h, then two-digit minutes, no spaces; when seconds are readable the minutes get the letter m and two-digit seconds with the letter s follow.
8h39
